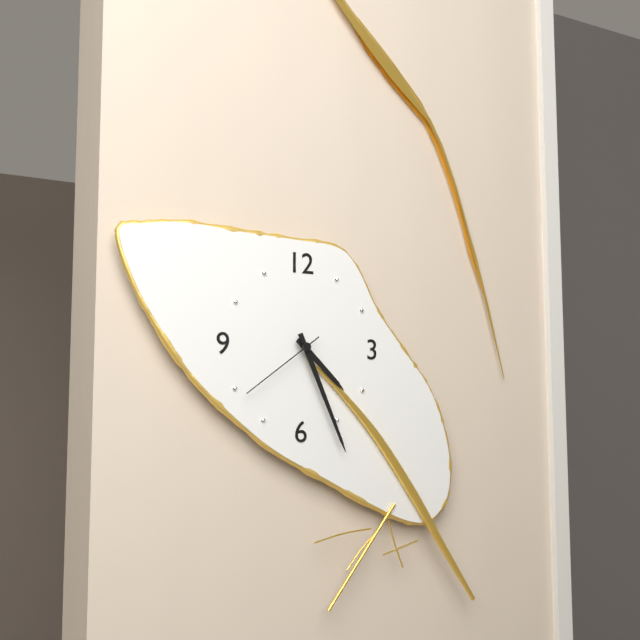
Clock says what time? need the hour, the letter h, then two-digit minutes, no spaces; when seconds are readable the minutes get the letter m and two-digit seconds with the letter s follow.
4h26m39s
